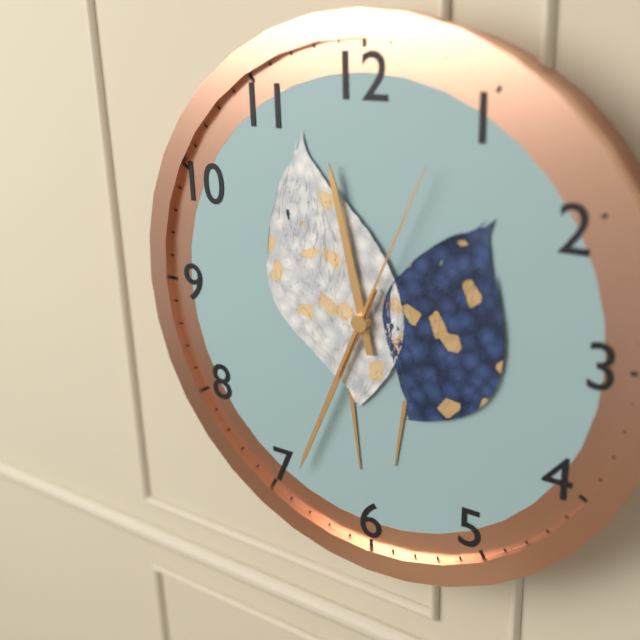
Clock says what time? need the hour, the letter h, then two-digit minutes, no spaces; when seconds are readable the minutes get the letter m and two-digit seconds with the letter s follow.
11h34m04s
